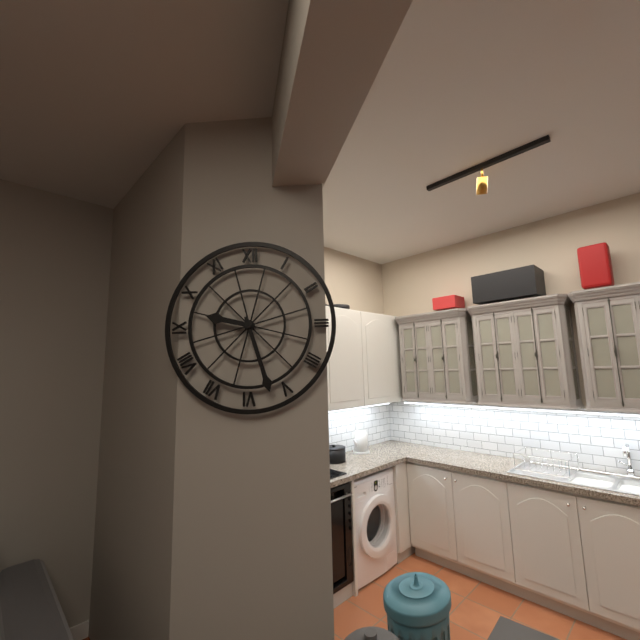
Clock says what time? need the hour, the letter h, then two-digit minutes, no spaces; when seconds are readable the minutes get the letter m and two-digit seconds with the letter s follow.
9h27
